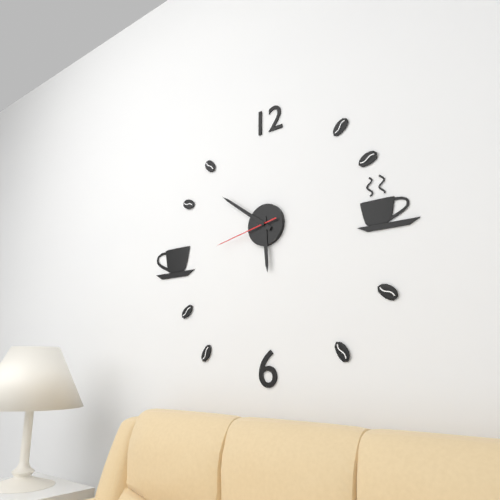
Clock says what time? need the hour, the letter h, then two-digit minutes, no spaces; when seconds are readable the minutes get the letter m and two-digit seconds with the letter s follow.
5h51m43s
